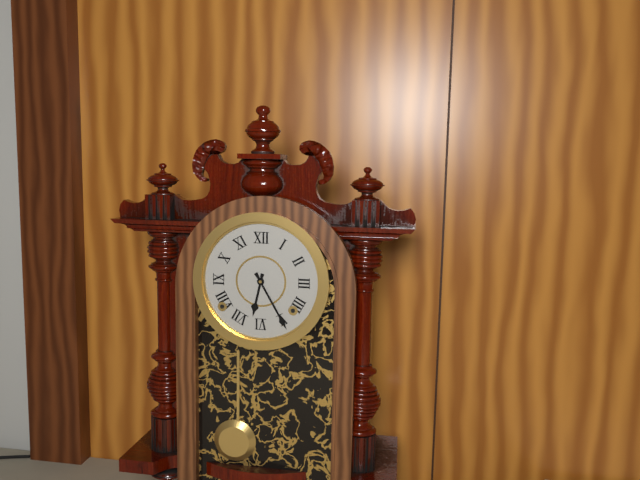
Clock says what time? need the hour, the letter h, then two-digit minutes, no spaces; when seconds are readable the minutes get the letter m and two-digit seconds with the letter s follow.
6h25
